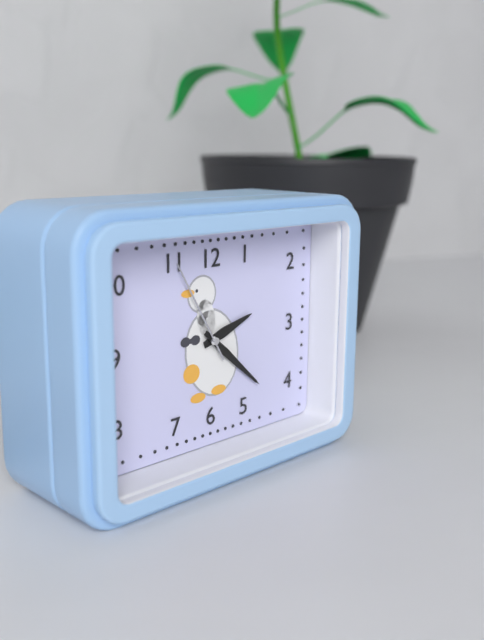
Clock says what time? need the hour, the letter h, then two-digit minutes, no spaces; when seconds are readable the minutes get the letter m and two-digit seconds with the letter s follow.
2h22m55s
